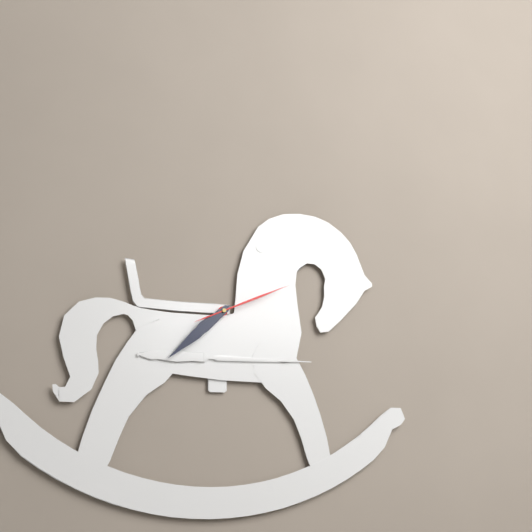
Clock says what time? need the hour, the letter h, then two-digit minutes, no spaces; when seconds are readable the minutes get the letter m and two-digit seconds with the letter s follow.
7h38m11s
